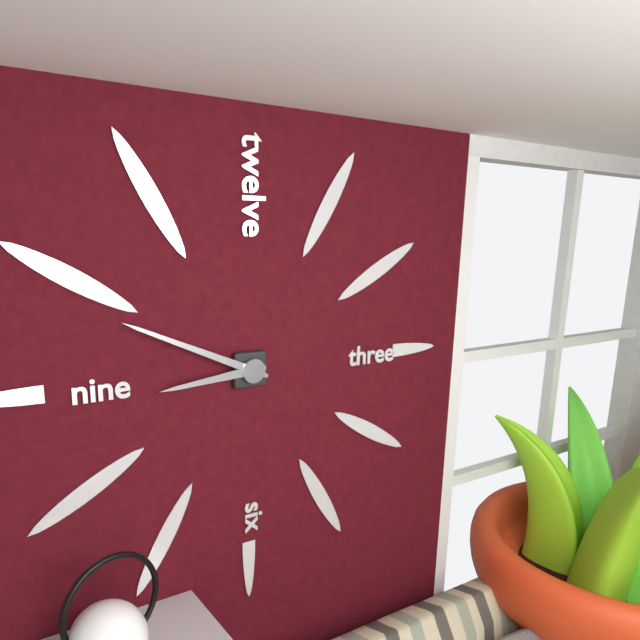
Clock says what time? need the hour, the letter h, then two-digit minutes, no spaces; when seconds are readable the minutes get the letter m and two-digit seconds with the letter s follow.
8h49
